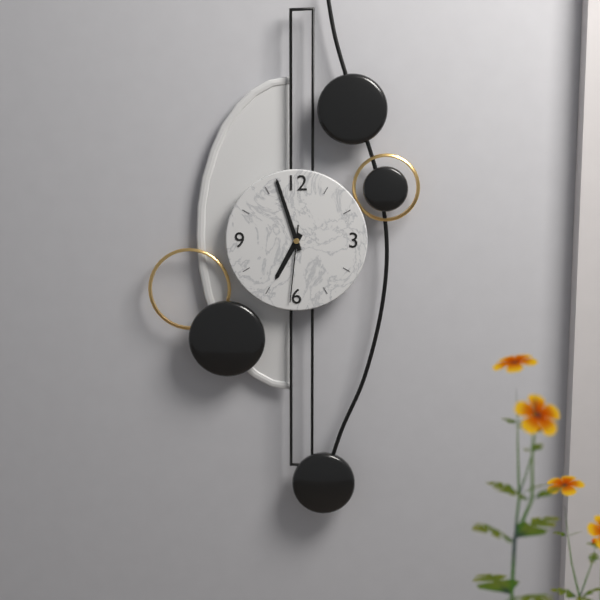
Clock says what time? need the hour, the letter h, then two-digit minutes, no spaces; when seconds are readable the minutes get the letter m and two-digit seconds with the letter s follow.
6h57m31s
